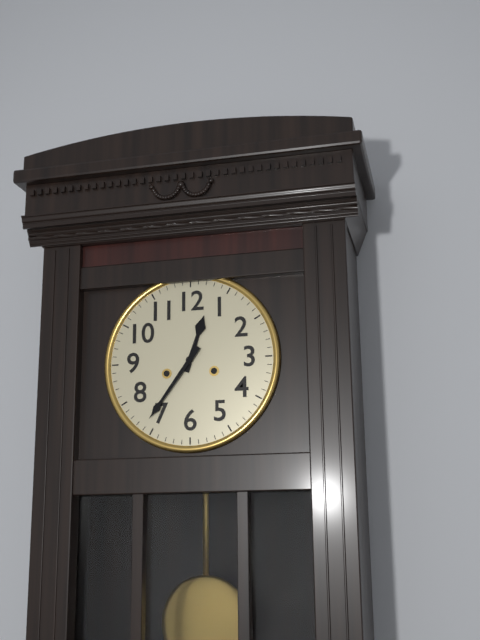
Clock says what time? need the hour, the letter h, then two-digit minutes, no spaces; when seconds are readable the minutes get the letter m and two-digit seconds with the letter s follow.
12h36
